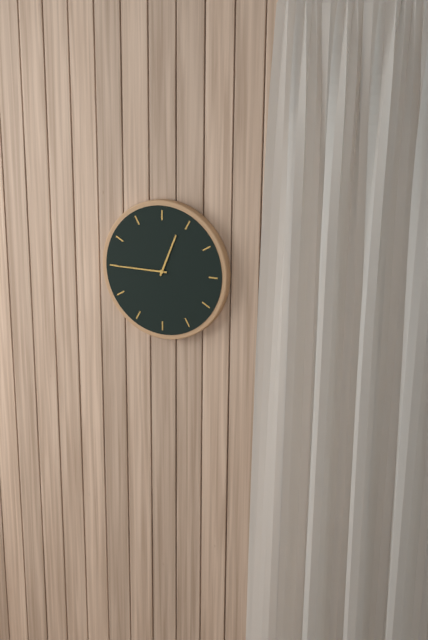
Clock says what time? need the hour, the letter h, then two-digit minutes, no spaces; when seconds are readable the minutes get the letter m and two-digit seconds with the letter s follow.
12h45
